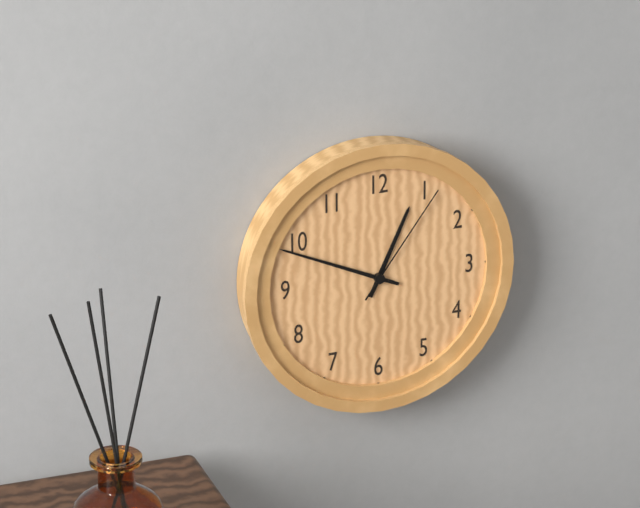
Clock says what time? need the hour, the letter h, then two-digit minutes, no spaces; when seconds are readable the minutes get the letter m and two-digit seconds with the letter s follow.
12h49m06s
